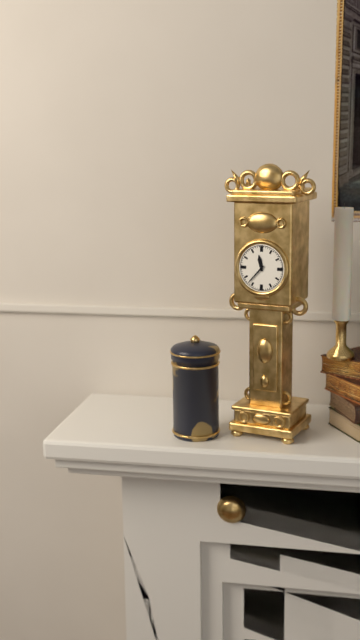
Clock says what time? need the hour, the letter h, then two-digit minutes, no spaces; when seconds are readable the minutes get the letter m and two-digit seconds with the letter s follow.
11h37
